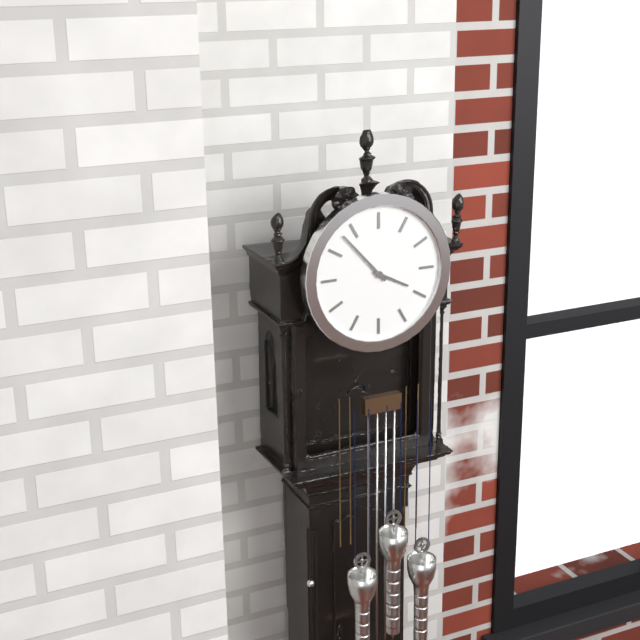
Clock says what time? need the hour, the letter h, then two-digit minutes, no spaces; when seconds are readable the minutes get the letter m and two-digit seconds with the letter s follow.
3h53
